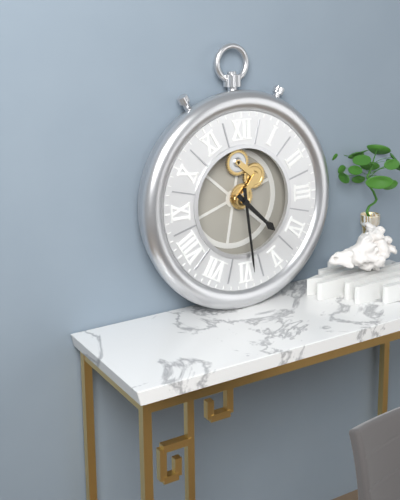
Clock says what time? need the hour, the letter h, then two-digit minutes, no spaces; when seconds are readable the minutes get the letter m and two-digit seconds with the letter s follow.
4h29
